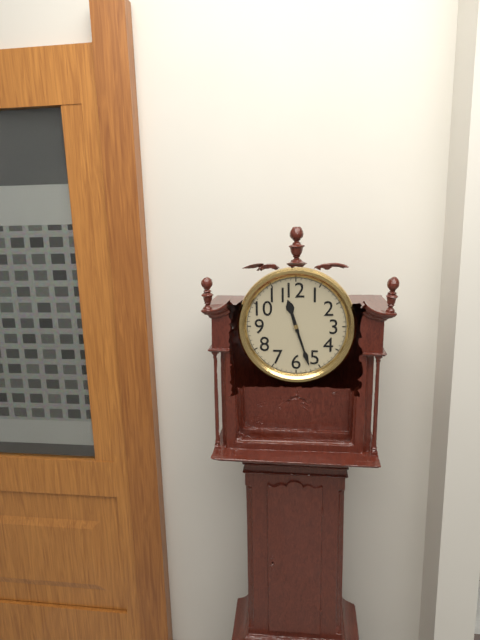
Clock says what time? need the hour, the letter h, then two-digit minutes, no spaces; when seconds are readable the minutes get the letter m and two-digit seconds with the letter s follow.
11h27
